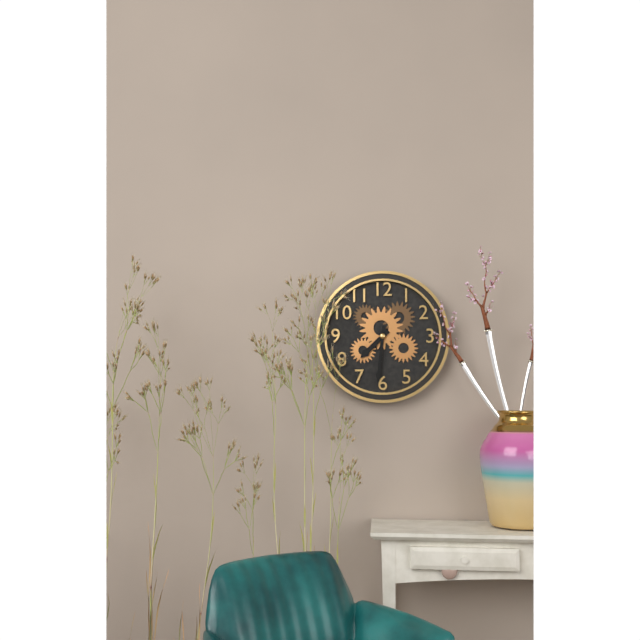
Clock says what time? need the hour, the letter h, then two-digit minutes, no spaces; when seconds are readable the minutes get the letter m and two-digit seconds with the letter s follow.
7h31
